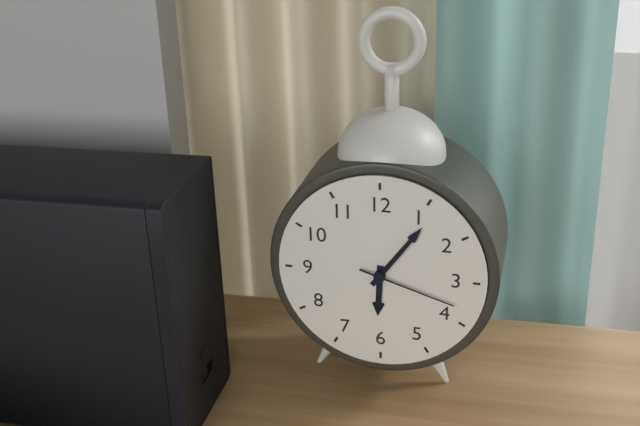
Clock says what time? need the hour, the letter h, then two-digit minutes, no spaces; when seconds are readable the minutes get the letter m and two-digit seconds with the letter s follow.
6h06m18s
